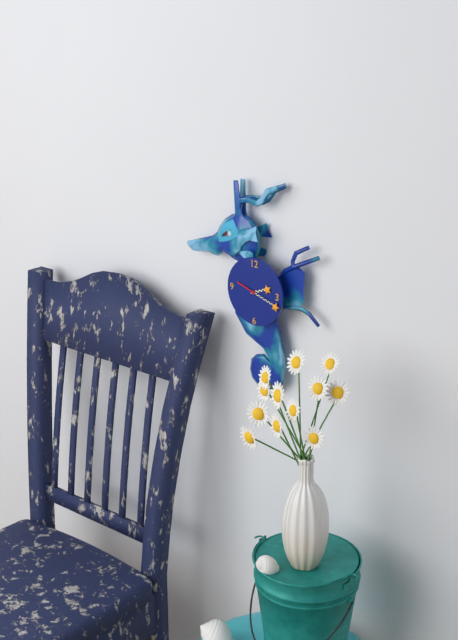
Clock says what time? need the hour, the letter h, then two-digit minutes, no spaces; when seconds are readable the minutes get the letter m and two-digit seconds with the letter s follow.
2h18
